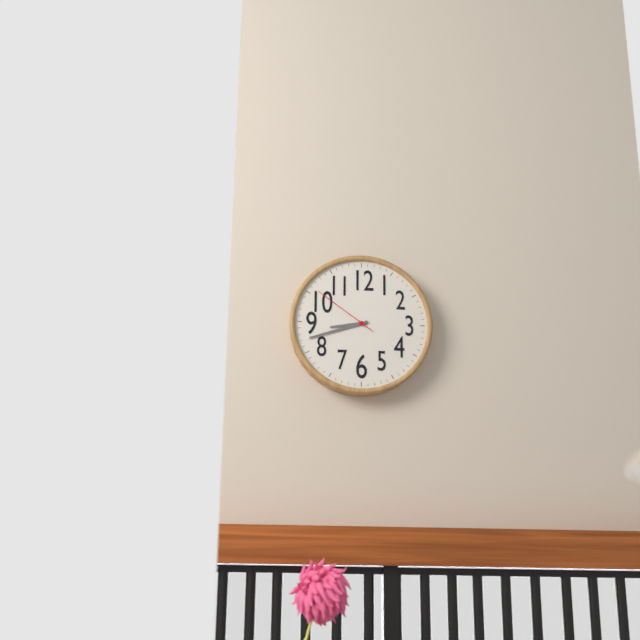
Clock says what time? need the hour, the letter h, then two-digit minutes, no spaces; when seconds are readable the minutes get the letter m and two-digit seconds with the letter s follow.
8h42m51s
